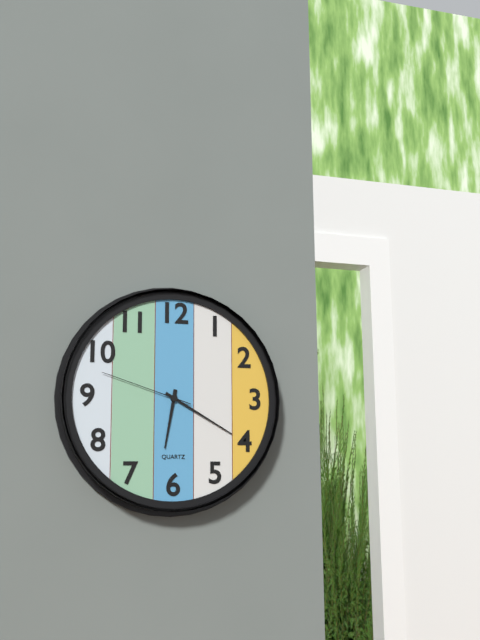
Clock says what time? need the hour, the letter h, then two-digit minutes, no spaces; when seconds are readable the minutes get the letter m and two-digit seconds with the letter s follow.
6h20m48s
